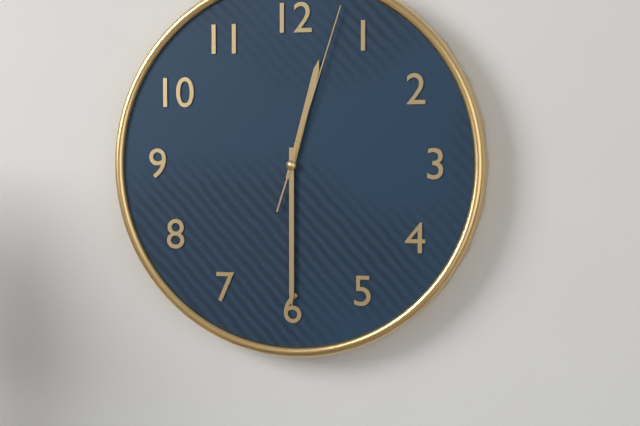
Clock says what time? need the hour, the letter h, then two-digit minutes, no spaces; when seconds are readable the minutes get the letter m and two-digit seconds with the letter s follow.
12h30m03s
